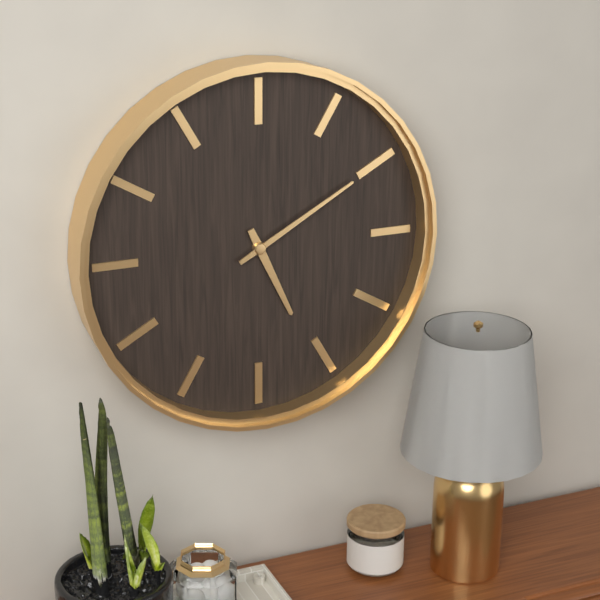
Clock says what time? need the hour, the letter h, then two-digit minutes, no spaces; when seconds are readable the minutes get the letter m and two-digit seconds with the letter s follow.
5h10
